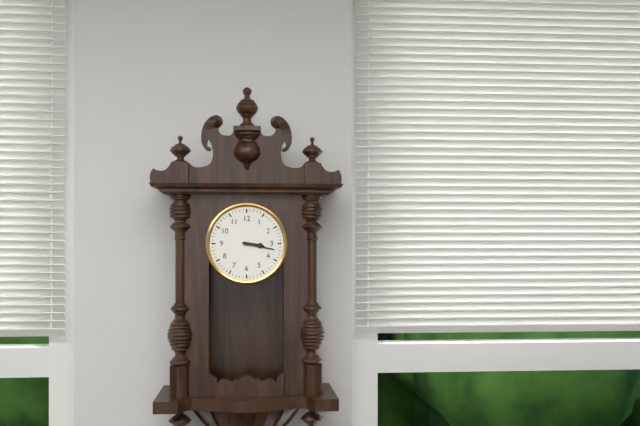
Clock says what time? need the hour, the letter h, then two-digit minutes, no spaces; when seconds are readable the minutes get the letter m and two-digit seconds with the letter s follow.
3h17
